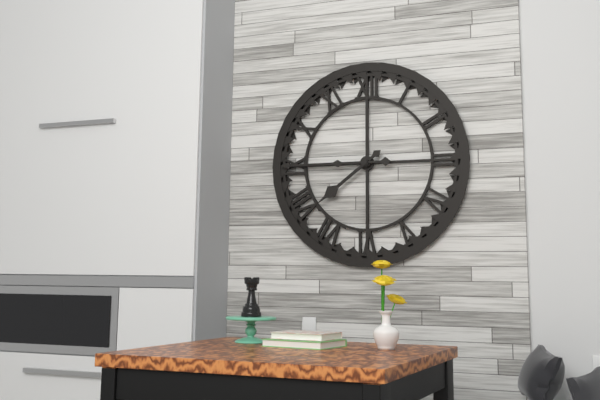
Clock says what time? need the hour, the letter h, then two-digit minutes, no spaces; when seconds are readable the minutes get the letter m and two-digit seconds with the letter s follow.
7h45
